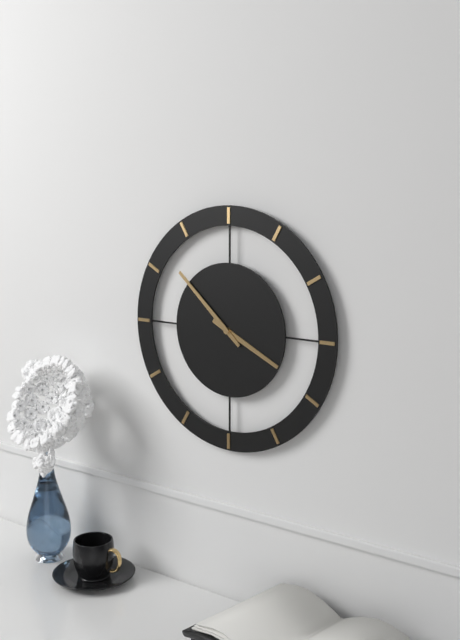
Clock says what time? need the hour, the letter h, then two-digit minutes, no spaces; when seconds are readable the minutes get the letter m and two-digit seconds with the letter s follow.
3h52
